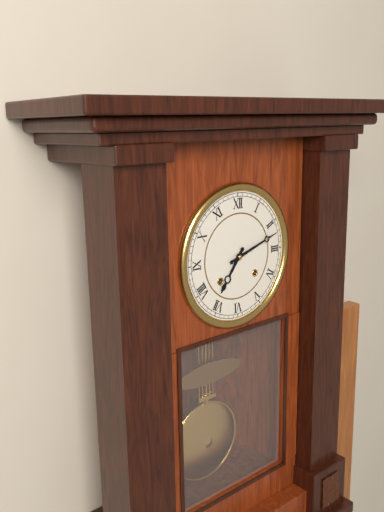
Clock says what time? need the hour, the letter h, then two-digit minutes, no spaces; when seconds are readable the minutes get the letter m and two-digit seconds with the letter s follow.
7h12
